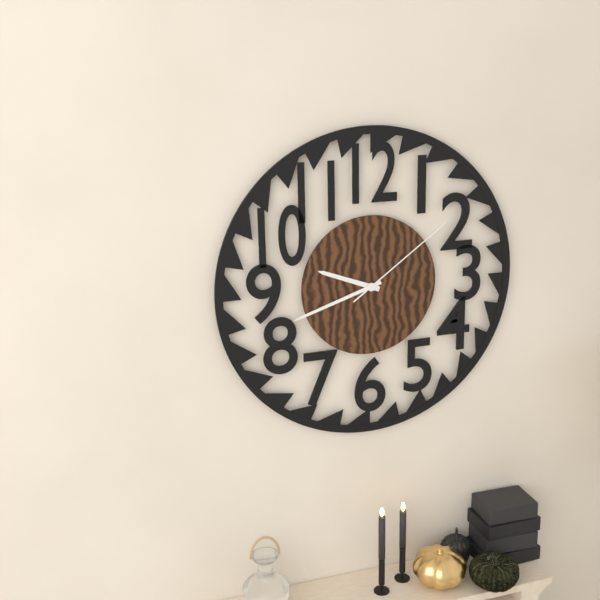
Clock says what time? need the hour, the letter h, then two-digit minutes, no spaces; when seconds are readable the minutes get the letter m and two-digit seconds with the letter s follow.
9h42m09s
